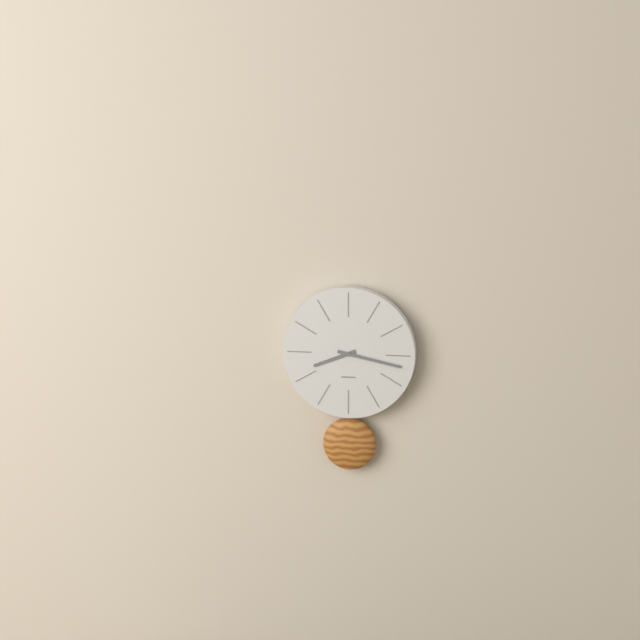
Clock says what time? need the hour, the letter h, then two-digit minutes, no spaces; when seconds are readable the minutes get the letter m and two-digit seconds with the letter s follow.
8h17
